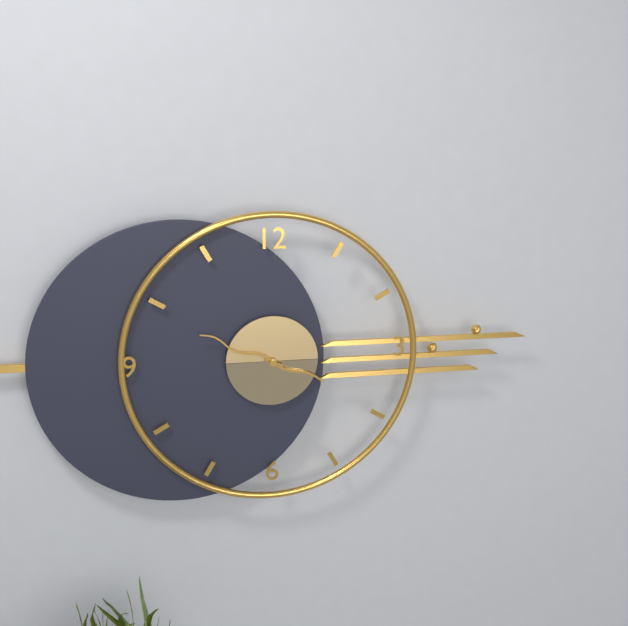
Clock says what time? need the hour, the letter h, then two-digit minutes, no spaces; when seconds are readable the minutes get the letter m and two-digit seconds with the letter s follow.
3h49
